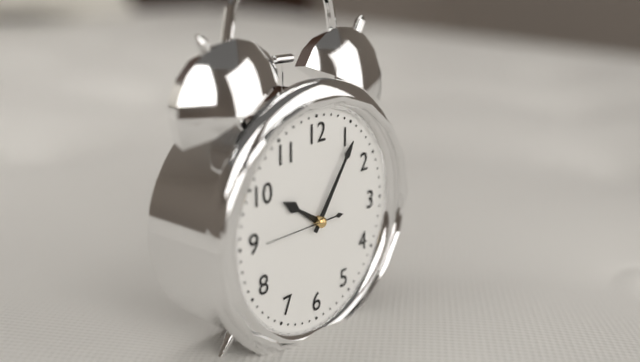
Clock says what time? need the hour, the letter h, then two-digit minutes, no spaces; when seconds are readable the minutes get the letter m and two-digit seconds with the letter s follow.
10h06m45s
